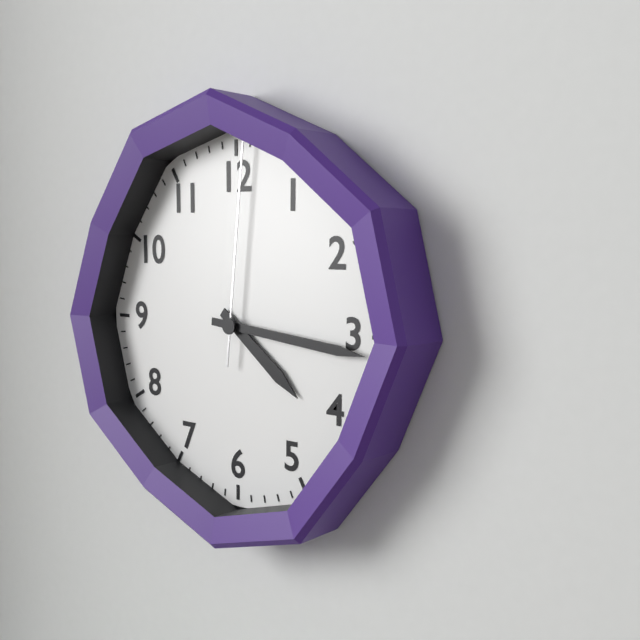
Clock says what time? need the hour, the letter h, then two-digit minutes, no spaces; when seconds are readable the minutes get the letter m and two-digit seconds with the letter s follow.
4h16m01s
